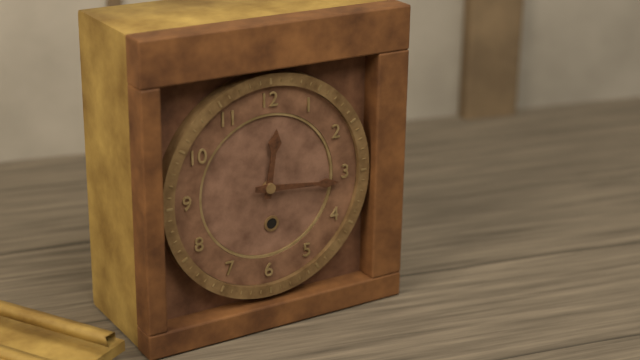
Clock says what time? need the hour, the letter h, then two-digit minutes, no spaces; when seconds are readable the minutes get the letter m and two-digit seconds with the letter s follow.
12h16
